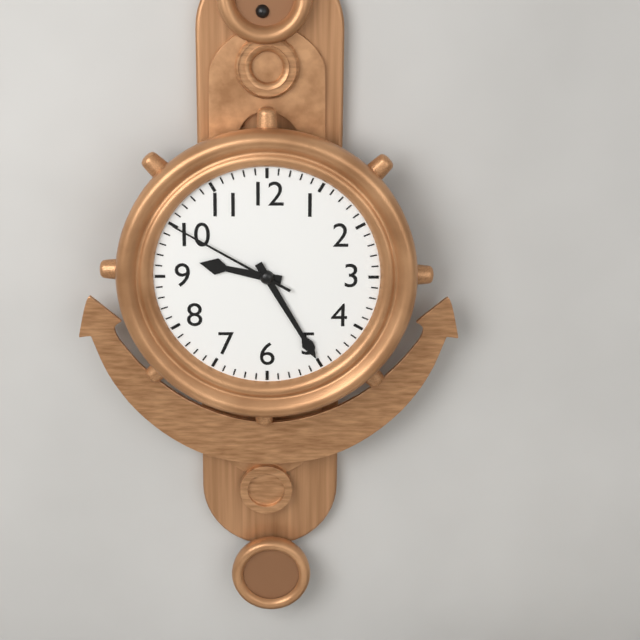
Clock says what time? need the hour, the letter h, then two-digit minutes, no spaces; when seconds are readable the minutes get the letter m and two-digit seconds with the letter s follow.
9h25m50s
